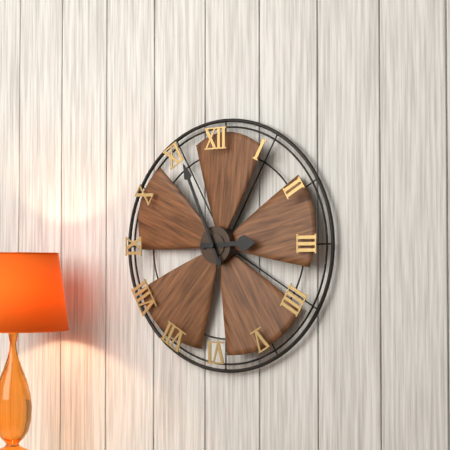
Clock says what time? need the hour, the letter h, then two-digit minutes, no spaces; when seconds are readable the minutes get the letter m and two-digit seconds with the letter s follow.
2h56
